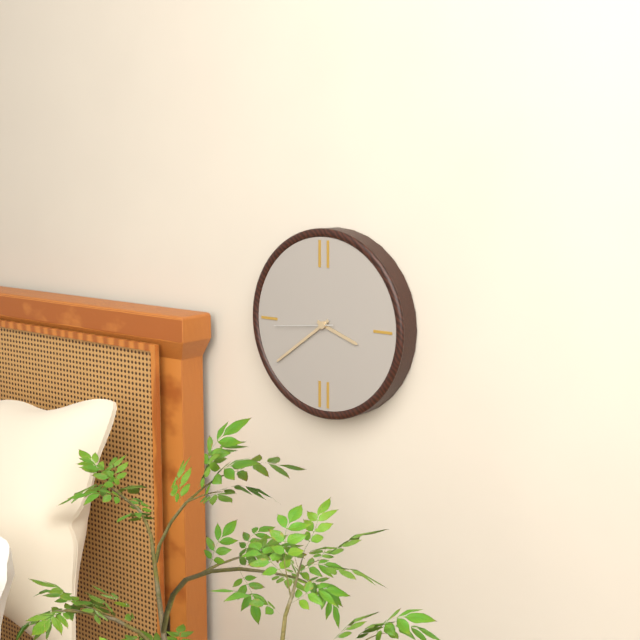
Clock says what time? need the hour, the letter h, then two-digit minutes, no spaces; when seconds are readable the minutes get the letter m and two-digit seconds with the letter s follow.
3h39m44s
